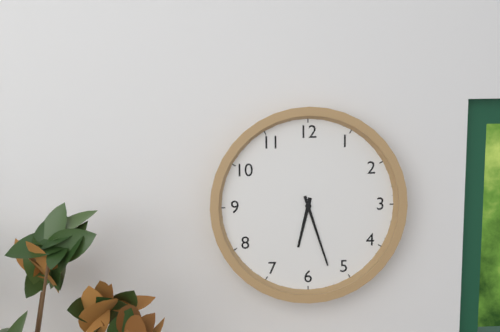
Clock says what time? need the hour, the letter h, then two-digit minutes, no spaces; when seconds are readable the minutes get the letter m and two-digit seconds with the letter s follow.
6h27
